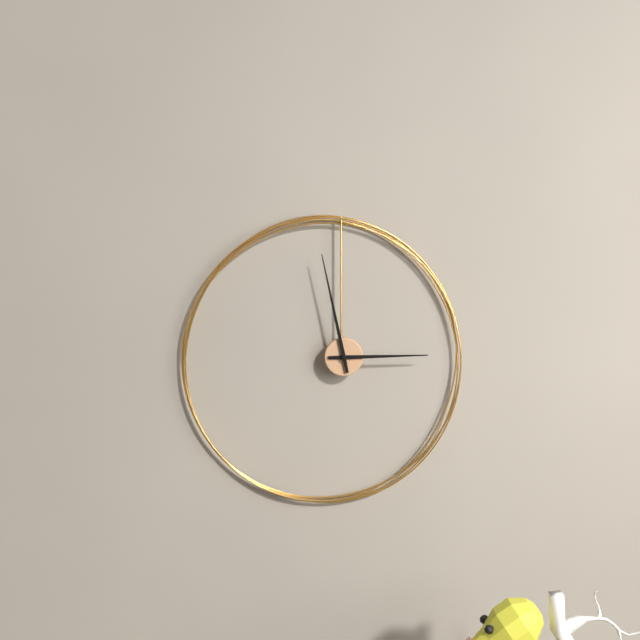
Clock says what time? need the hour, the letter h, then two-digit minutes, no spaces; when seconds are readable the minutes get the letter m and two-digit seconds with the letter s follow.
2h58
